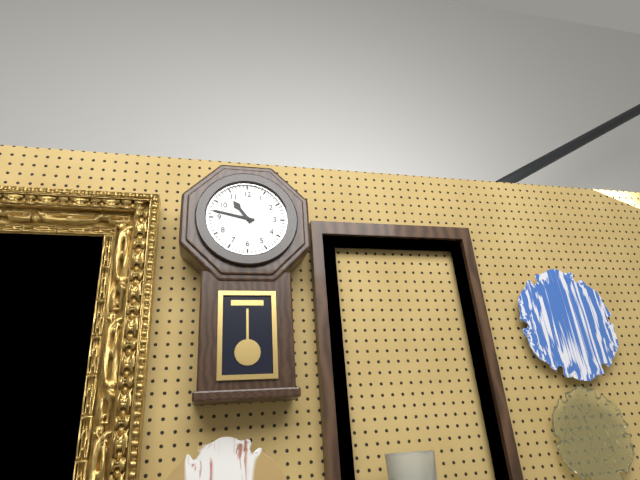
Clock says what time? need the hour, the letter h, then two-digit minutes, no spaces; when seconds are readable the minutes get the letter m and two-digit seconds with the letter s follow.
10h47
